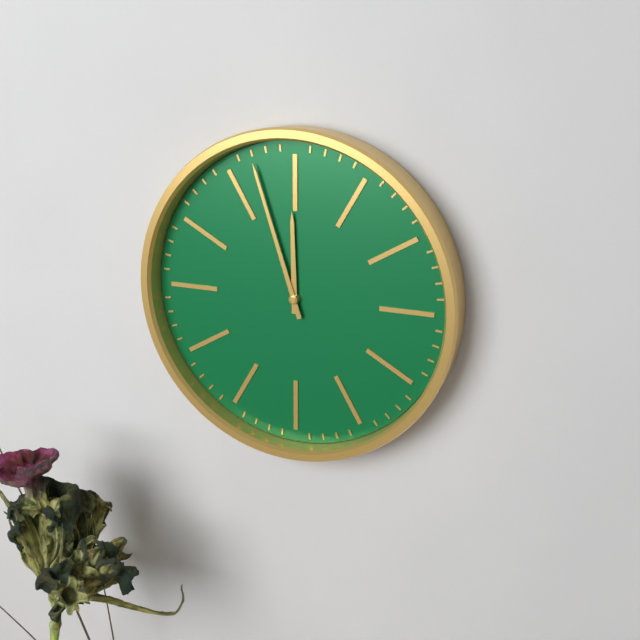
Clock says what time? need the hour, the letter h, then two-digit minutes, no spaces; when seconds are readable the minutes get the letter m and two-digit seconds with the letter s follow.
11h57
